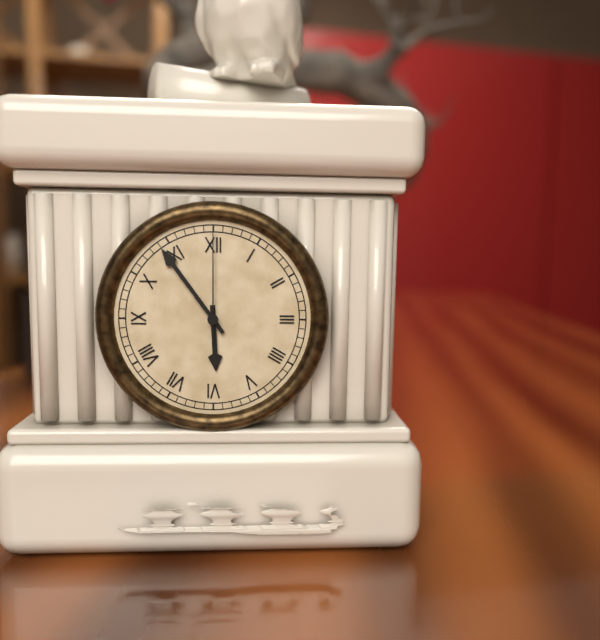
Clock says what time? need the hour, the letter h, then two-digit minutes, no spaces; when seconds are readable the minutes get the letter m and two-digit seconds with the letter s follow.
5h54m00s
